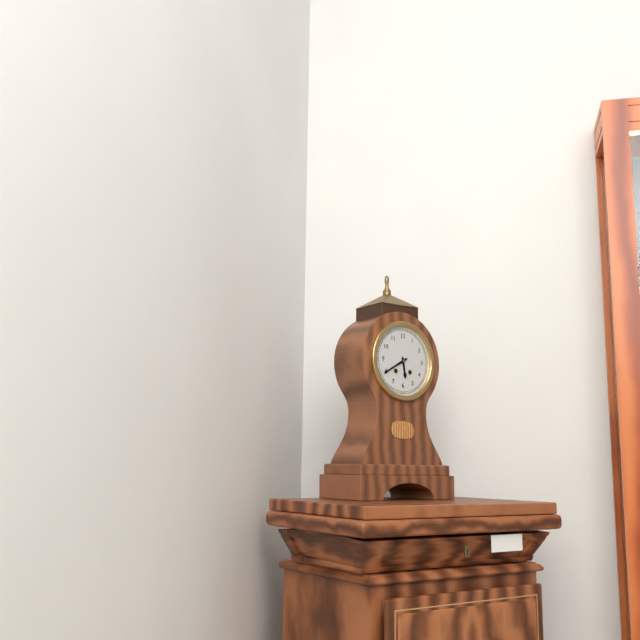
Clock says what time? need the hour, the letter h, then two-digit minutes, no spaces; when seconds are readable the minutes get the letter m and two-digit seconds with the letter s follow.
5h40
